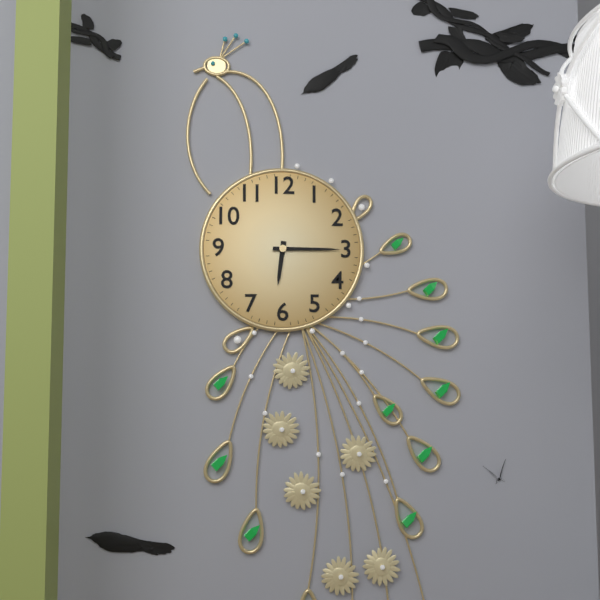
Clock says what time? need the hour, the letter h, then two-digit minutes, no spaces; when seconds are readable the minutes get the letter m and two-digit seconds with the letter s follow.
6h15
